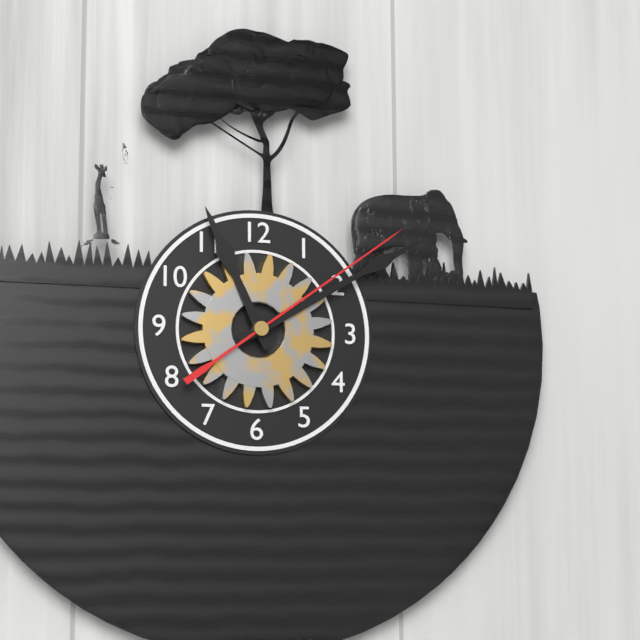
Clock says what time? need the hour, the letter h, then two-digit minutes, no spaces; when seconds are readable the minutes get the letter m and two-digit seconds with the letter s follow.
11h10m09s
